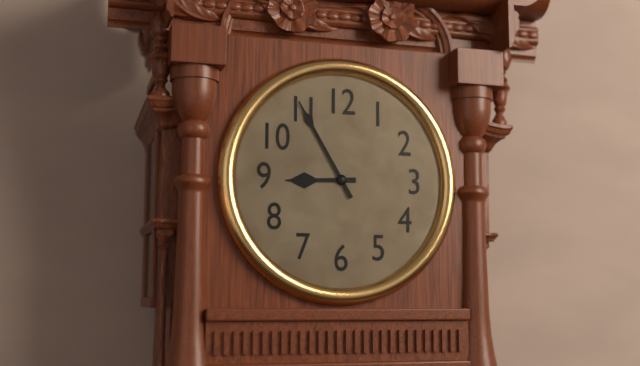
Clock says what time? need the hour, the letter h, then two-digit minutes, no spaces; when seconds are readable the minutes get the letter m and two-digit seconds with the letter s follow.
8h55
